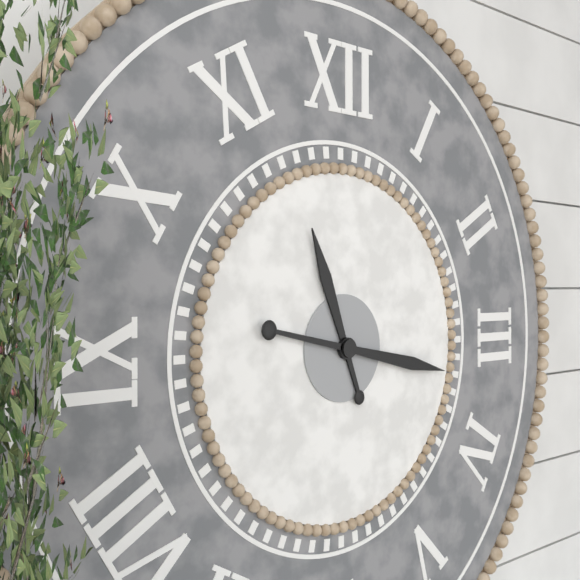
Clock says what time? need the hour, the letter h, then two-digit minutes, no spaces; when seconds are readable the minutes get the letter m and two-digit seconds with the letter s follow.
11h17
